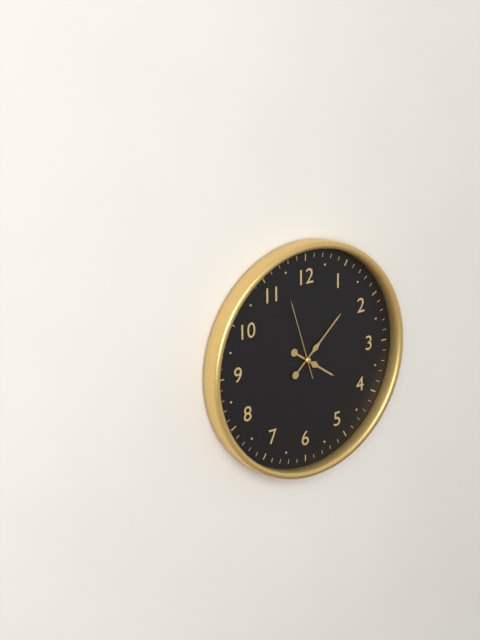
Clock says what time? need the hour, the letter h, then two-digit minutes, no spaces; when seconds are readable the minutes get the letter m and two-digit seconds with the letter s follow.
4h08m57s
